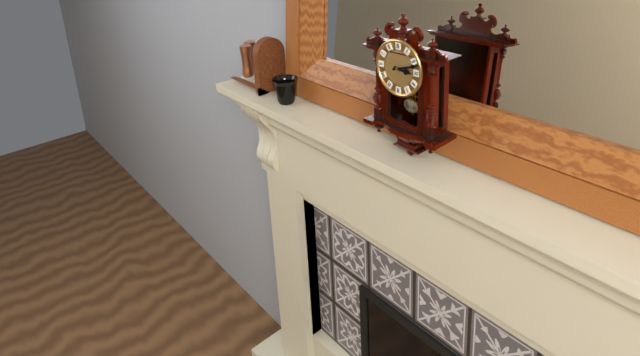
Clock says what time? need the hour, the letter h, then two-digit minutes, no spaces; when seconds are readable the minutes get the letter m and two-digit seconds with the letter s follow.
3h12
